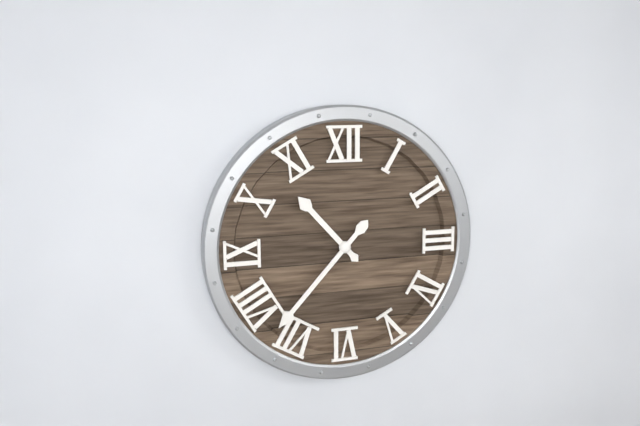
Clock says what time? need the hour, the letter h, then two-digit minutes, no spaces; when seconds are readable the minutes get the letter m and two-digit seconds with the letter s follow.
10h37
